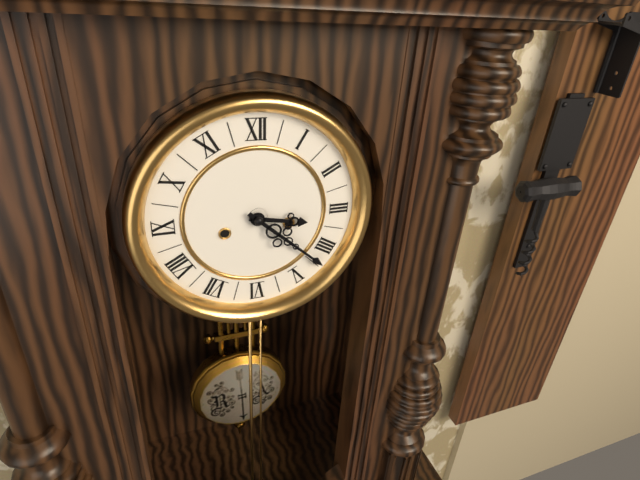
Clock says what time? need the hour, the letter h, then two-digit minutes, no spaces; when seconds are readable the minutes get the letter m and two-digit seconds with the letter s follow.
3h22
